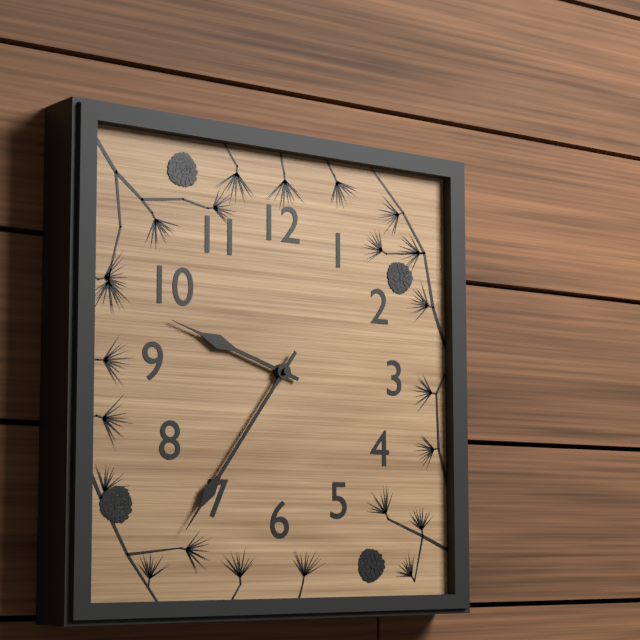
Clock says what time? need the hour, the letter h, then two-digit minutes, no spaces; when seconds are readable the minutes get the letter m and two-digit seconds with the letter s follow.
9h36
